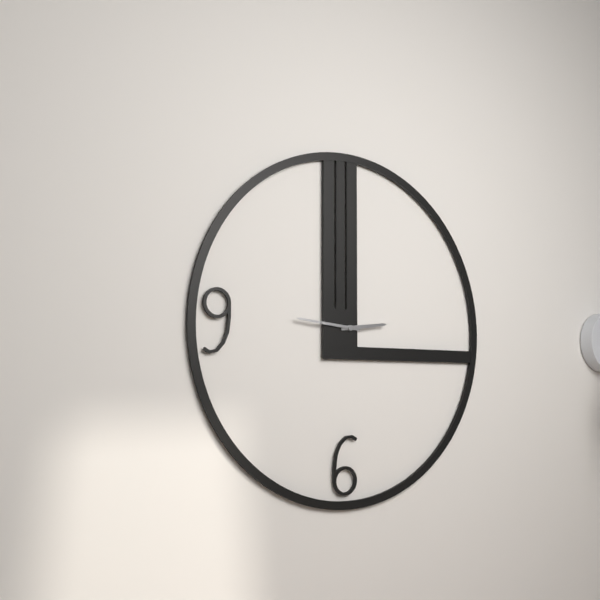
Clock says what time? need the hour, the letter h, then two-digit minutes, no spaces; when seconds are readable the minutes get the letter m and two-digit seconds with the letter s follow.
2h46
